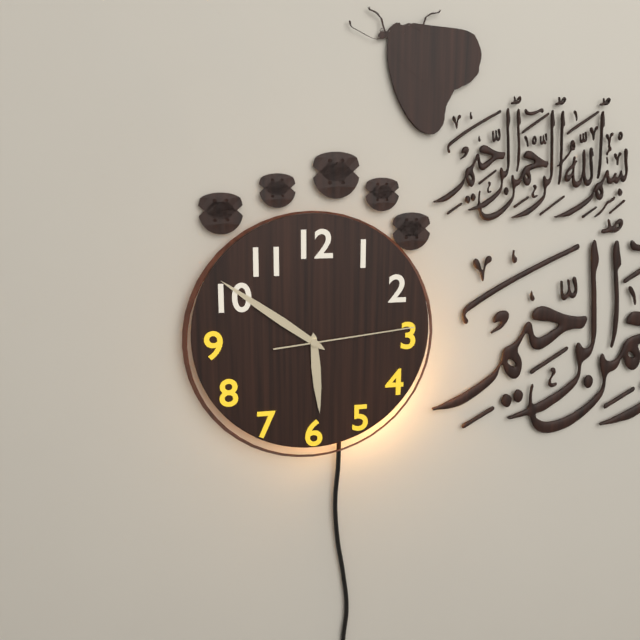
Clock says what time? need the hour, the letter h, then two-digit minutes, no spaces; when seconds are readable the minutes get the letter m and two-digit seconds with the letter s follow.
5h51m14s
